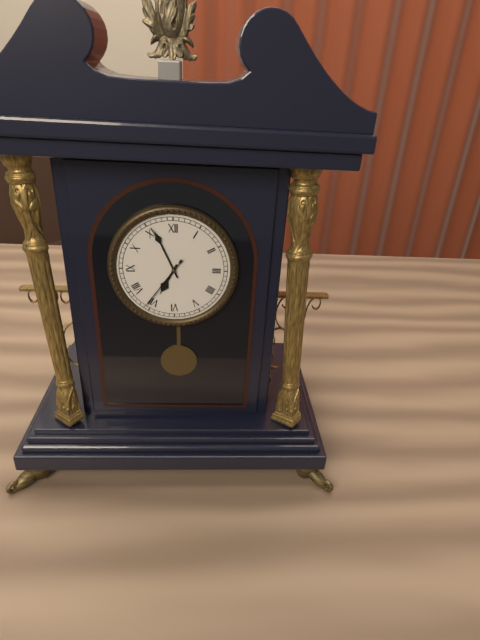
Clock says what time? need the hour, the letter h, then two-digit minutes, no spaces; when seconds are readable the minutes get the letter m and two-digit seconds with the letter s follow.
6h56m36s
